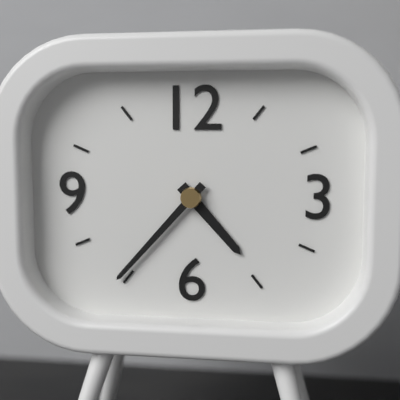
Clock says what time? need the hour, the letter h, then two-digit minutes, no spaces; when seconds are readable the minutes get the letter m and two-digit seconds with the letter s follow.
4h37
